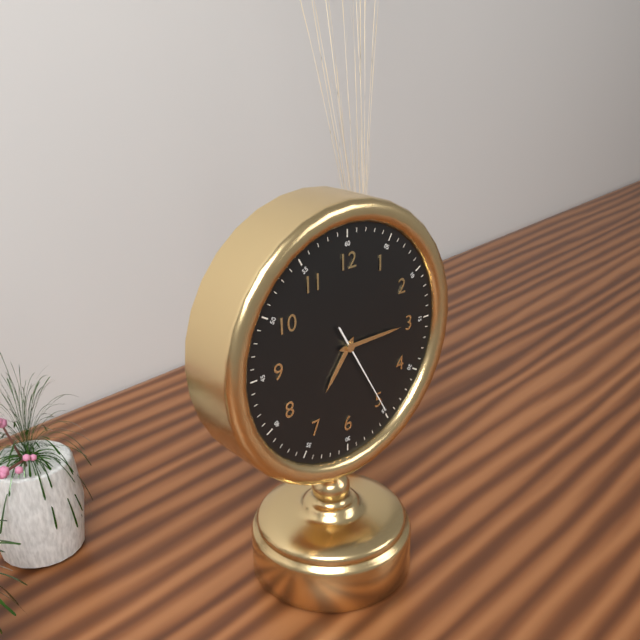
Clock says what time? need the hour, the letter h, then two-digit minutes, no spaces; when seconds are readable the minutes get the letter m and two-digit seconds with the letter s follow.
7h15m25s
